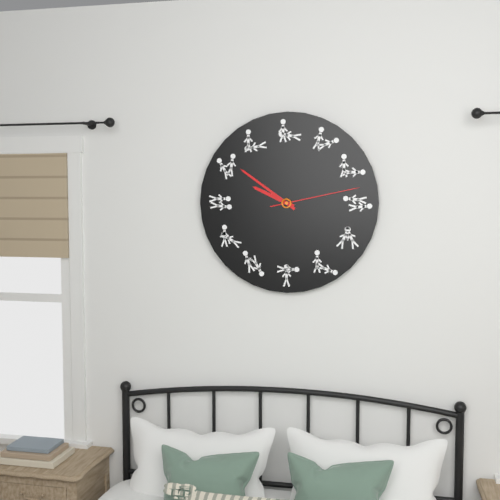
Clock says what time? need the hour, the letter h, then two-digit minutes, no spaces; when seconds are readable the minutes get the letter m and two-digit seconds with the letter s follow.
9h51m13s
